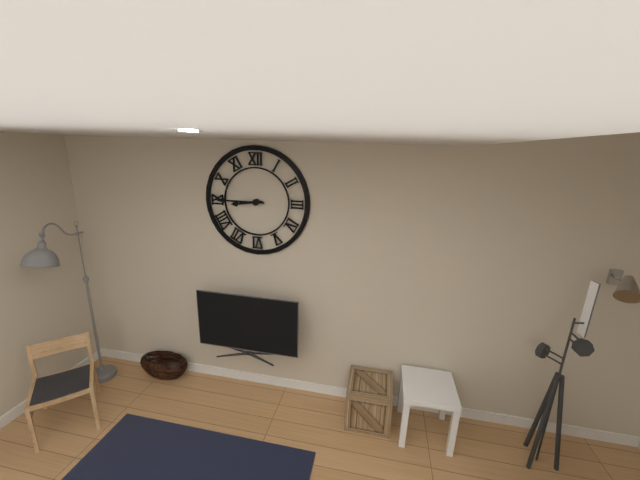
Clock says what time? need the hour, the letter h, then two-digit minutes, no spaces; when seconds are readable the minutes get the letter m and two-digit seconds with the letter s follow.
8h45
